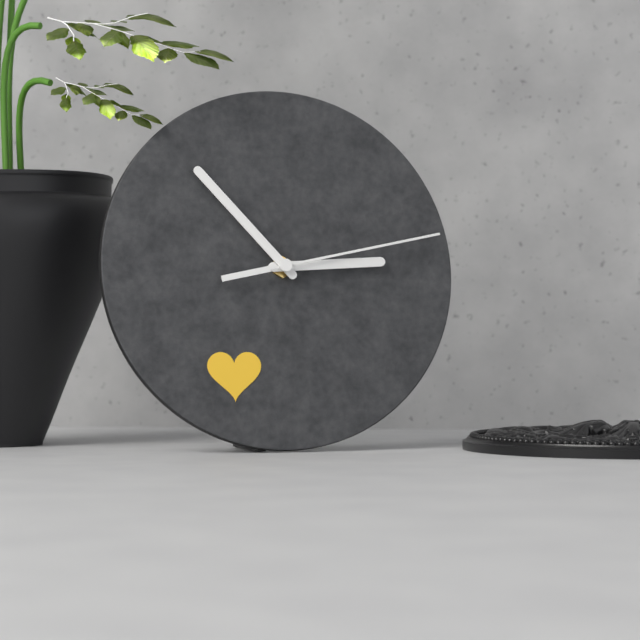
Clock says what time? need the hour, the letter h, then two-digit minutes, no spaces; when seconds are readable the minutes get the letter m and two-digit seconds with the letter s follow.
2h53m13s
